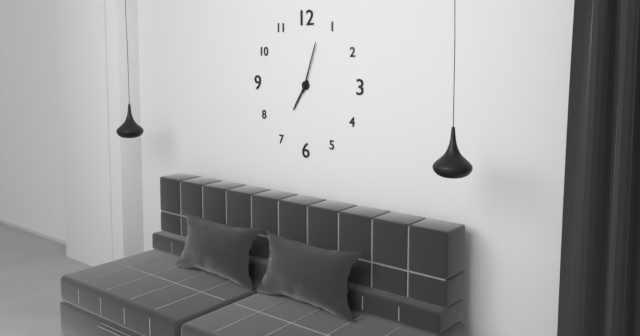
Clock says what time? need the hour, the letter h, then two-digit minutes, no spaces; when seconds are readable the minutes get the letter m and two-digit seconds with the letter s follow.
7h03
